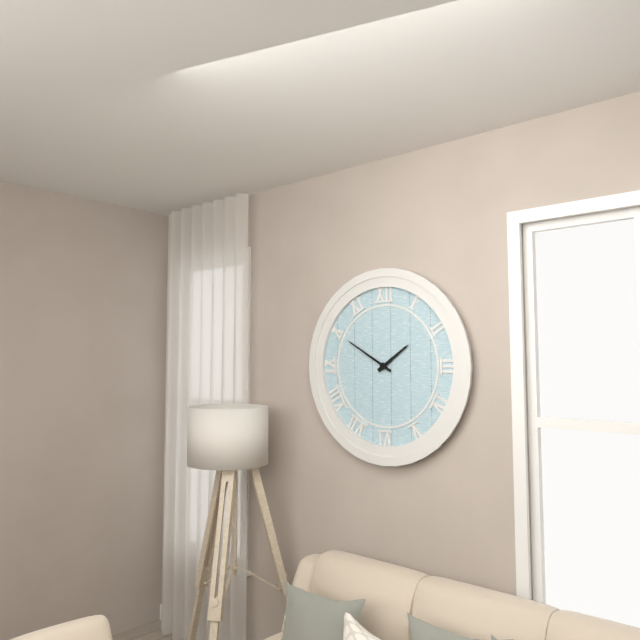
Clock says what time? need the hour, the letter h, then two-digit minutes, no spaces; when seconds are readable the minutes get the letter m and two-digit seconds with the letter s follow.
1h50
